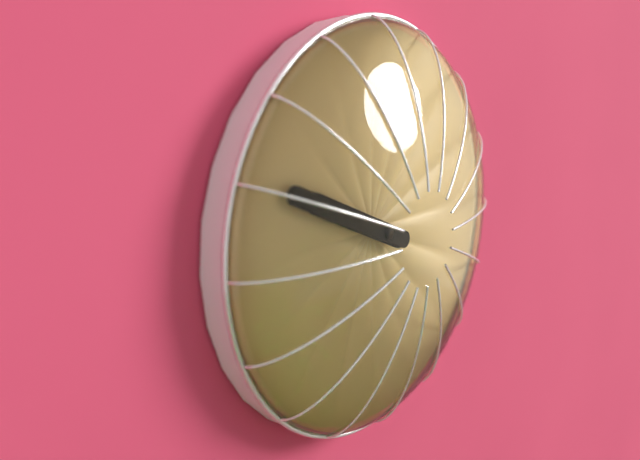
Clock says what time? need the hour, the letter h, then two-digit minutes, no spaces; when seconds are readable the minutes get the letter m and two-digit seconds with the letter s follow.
9h49
